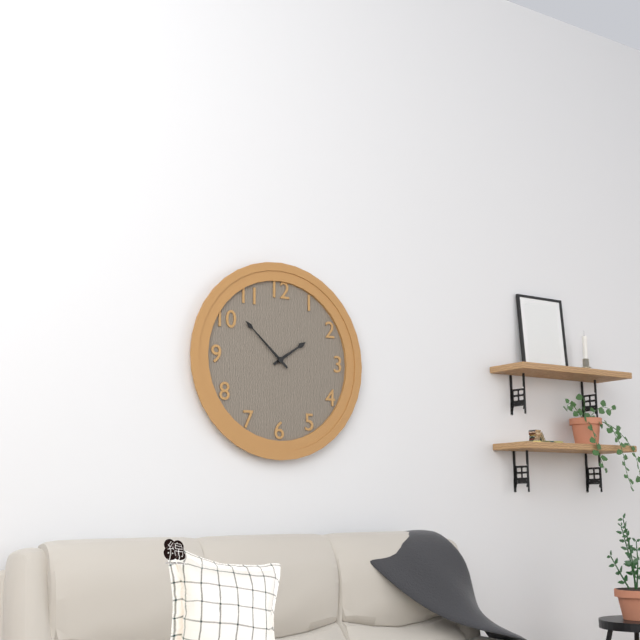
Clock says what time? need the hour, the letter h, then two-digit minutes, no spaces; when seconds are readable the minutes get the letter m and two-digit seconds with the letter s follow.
1h52
